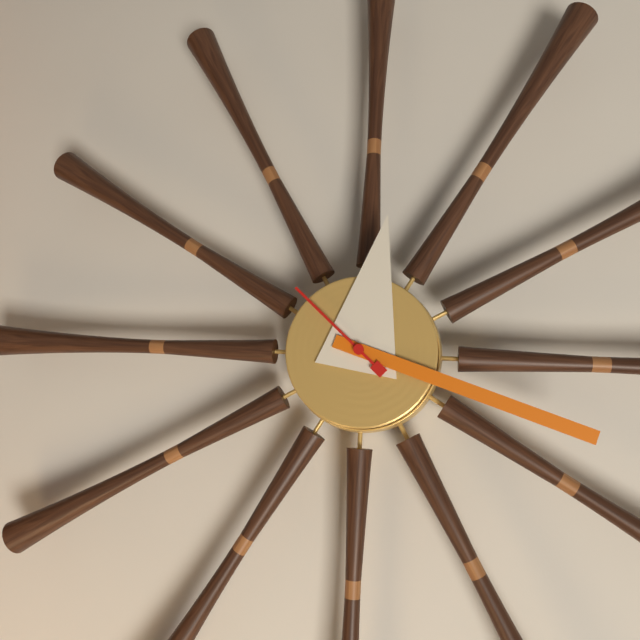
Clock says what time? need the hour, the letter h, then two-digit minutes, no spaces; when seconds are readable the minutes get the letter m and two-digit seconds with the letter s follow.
12h18m52s
